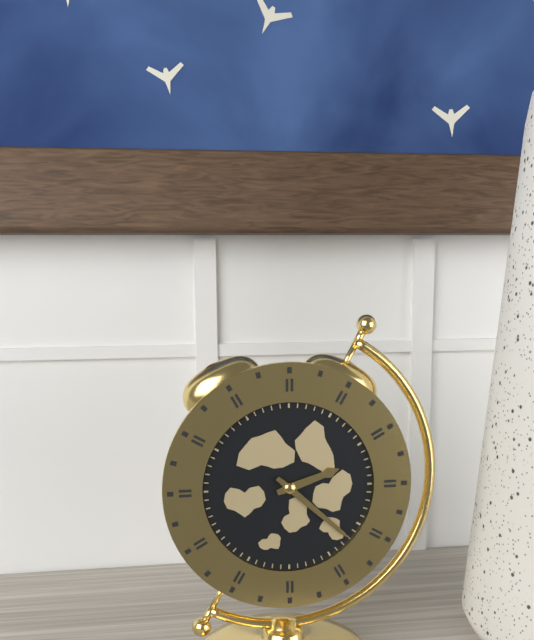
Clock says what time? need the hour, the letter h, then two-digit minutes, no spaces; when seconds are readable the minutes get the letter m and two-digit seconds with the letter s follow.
2h22
